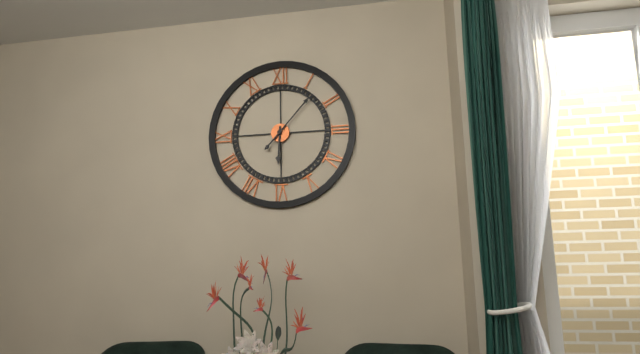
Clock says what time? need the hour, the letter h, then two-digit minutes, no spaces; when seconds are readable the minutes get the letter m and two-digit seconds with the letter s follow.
6h07
